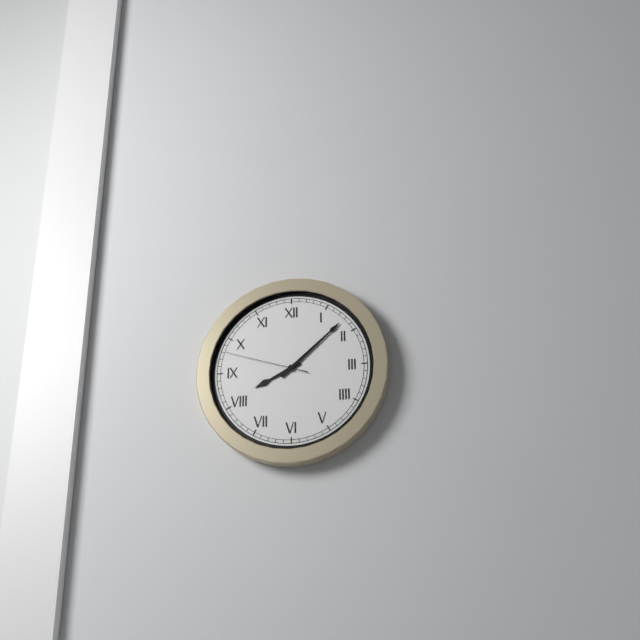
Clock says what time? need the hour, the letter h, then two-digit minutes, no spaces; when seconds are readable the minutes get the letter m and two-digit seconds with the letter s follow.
8h08m48s
